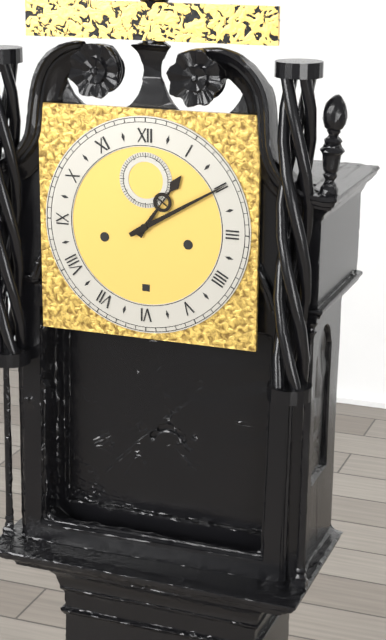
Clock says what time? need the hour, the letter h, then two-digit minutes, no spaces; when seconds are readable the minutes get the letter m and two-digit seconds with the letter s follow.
1h10
